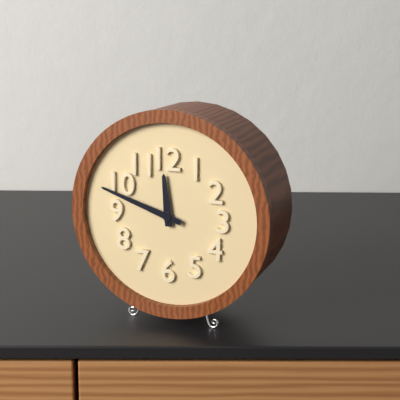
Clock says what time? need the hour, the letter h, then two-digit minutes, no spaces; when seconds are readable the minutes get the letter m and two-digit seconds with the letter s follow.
11h48
